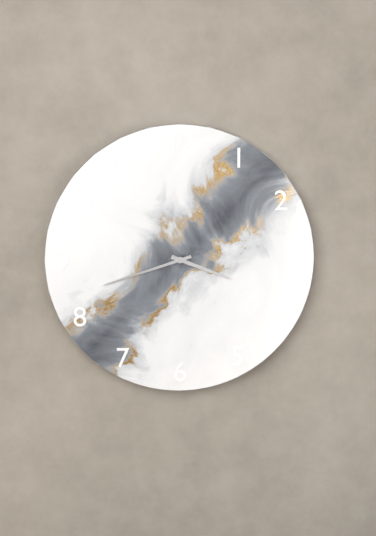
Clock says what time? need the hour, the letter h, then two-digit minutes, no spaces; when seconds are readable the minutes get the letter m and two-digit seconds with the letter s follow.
3h42
